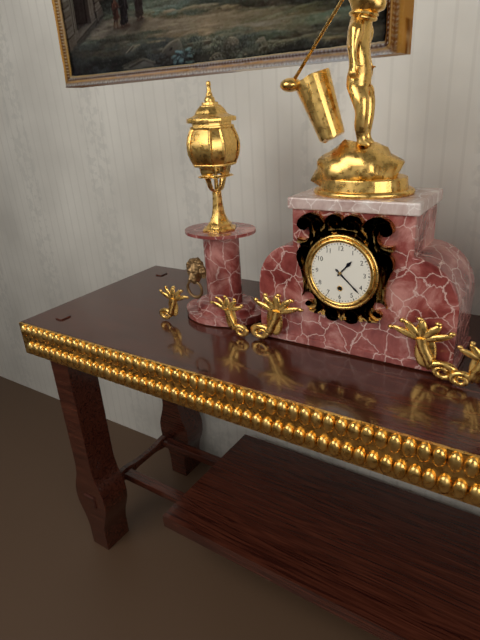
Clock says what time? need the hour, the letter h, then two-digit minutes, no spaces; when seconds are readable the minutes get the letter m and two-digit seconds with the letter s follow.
1h22
